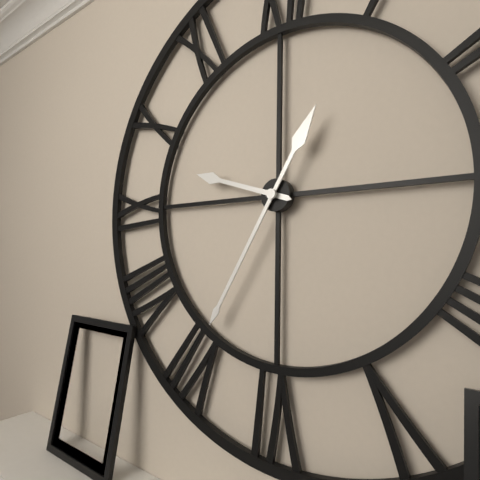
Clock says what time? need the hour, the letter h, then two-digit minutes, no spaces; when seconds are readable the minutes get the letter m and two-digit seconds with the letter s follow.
9h35
